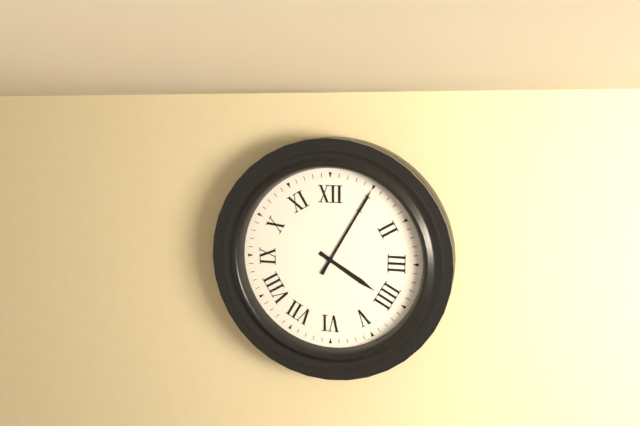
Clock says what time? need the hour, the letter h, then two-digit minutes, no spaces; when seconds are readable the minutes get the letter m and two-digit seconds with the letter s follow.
4h05
